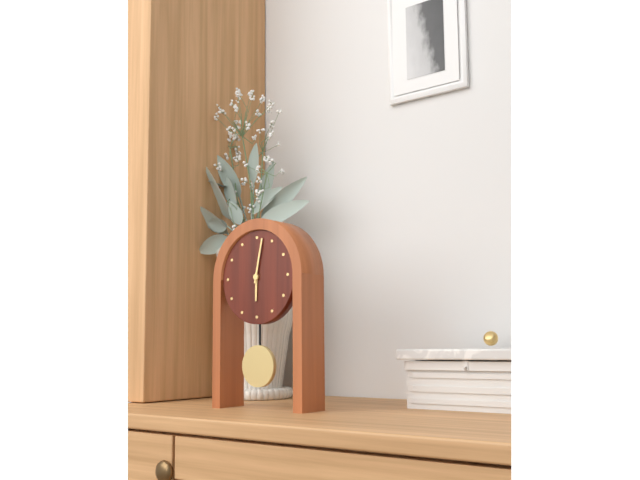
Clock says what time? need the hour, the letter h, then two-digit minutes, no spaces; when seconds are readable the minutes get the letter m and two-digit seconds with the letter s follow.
6h02
